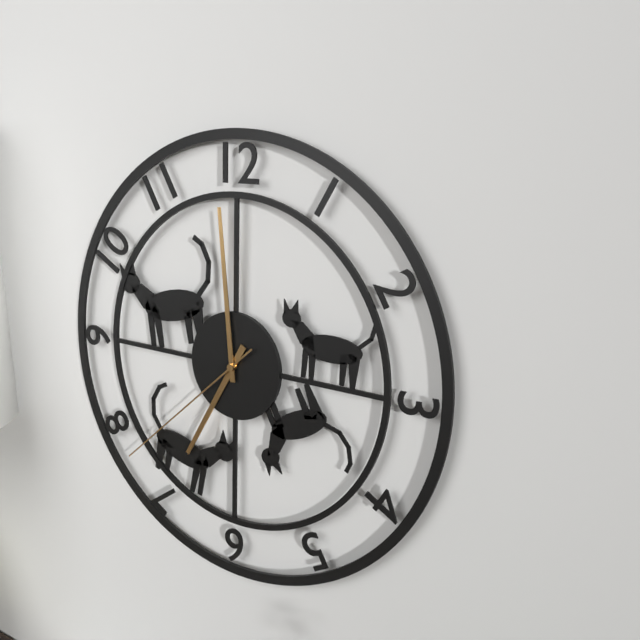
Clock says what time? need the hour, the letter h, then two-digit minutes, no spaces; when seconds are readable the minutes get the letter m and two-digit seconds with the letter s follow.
6h59m38s
